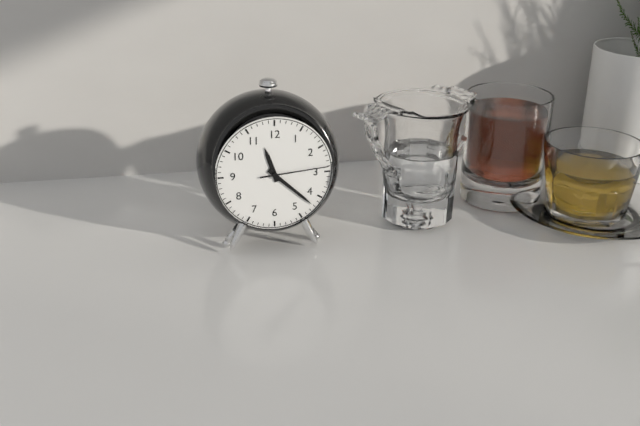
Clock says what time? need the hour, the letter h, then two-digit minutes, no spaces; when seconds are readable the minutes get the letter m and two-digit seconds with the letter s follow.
11h22m14s
